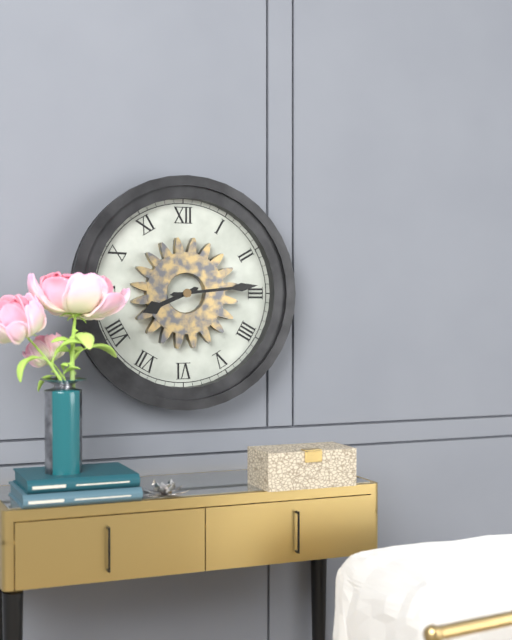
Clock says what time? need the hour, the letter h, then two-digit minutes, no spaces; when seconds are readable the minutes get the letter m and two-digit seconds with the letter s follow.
8h14
